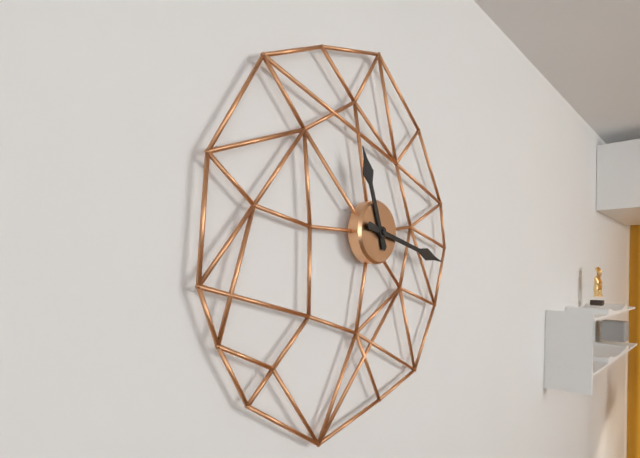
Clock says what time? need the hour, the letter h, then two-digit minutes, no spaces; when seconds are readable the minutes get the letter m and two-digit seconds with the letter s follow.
11h17
